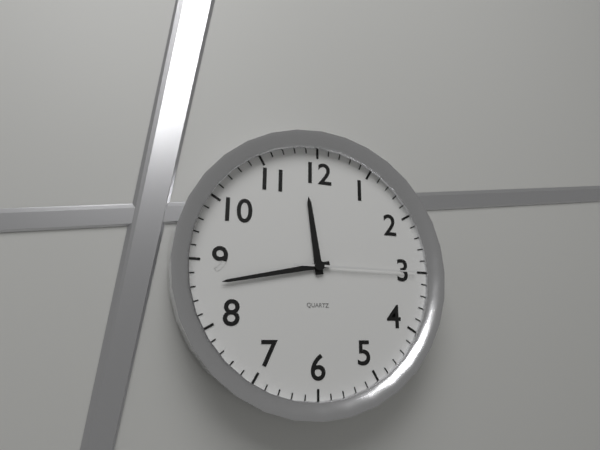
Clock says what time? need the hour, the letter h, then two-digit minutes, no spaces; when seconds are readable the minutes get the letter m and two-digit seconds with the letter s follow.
11h43m15s
